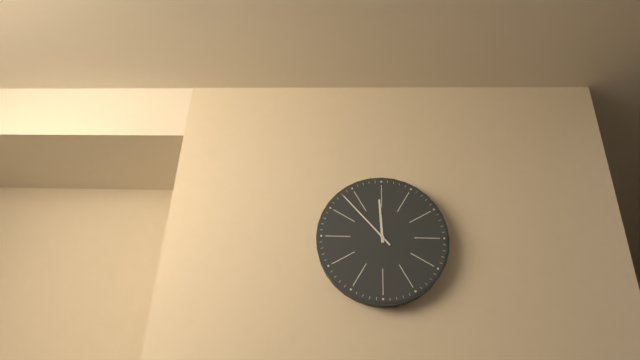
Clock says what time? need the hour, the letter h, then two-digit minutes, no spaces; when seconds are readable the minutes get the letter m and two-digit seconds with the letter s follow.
11h53
